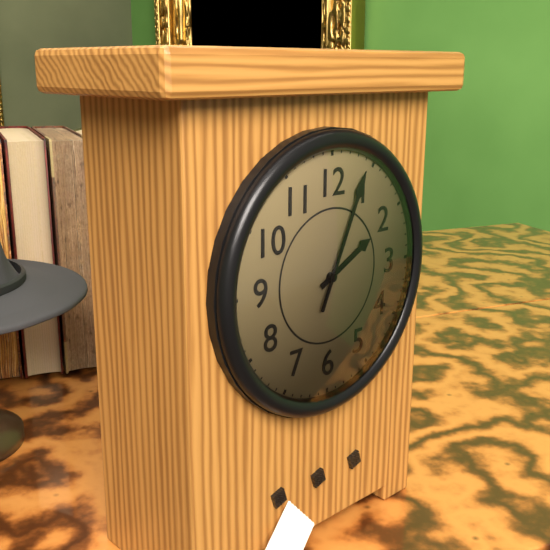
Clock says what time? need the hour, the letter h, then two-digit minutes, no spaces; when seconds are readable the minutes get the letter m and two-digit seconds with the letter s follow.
2h04
